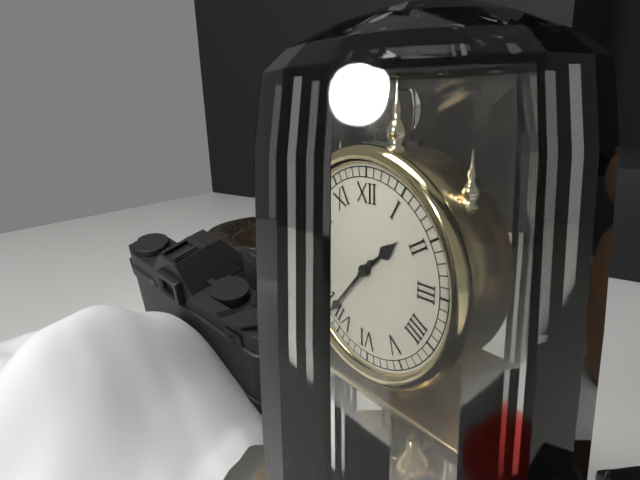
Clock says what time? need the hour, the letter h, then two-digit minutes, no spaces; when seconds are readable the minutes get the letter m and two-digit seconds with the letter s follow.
1h37
